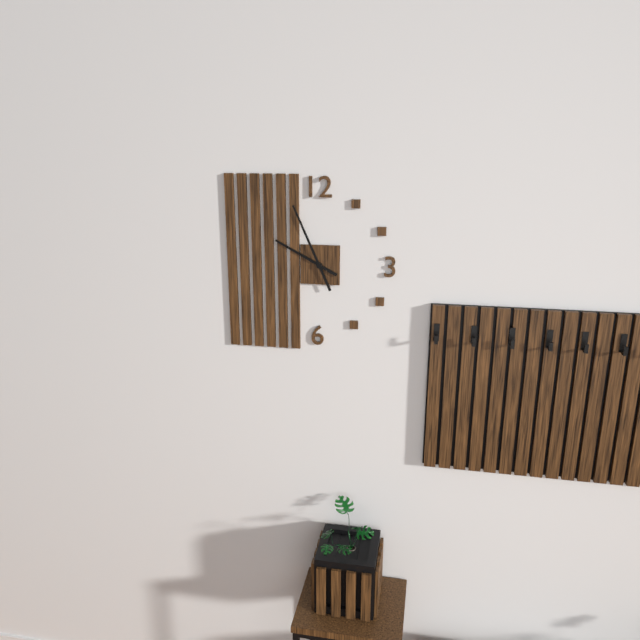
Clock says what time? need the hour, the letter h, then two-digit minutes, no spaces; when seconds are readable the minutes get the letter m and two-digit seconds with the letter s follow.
9h56
